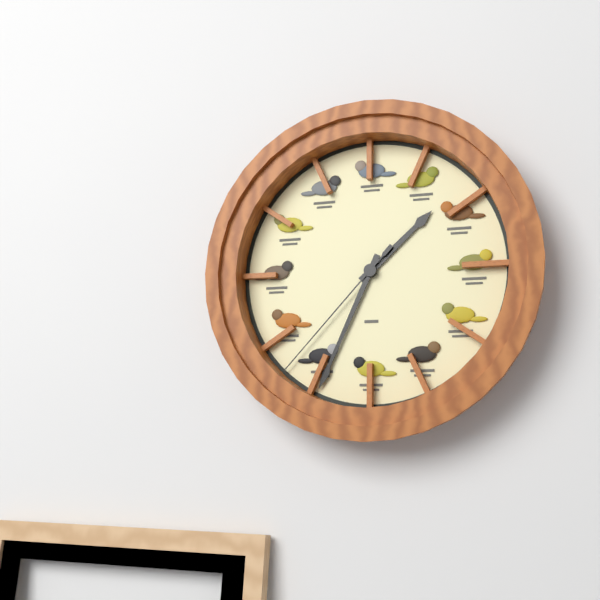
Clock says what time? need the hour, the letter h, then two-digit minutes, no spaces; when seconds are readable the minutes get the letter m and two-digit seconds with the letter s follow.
1h34m37s
